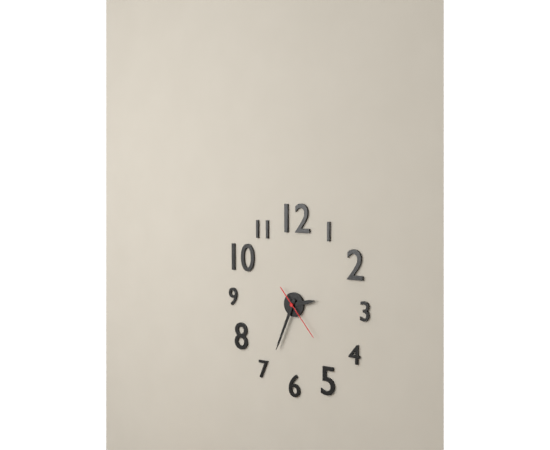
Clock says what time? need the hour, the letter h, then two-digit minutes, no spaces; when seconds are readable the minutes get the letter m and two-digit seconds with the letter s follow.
2h34
